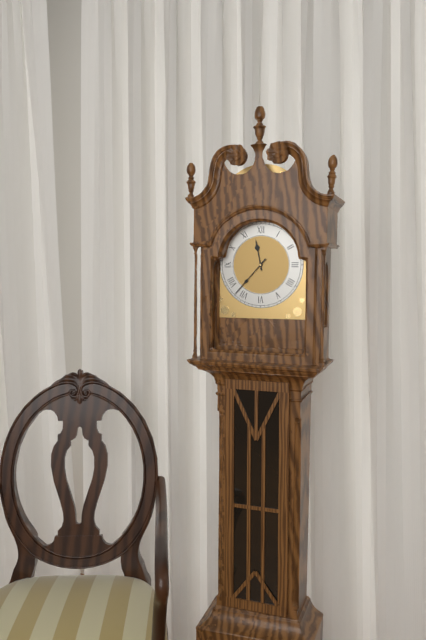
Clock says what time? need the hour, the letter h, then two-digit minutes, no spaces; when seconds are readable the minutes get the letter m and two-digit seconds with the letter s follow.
11h37
